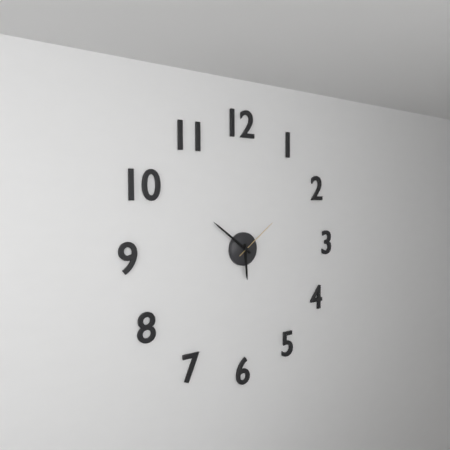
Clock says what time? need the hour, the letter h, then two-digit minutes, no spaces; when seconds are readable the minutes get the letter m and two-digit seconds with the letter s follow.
5h51
